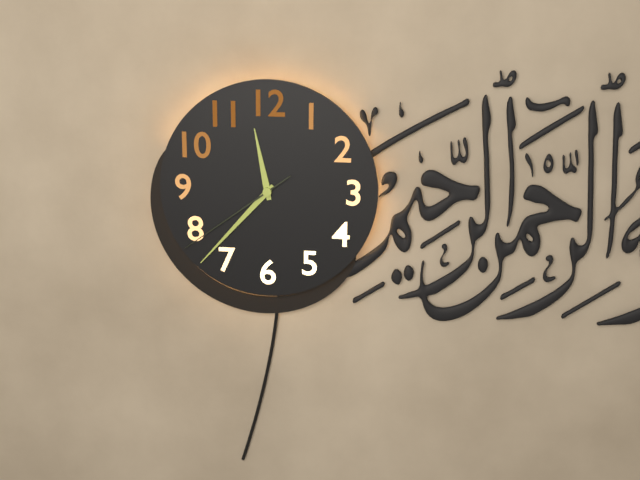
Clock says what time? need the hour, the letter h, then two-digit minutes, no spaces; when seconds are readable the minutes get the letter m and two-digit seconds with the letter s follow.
11h37m39s
